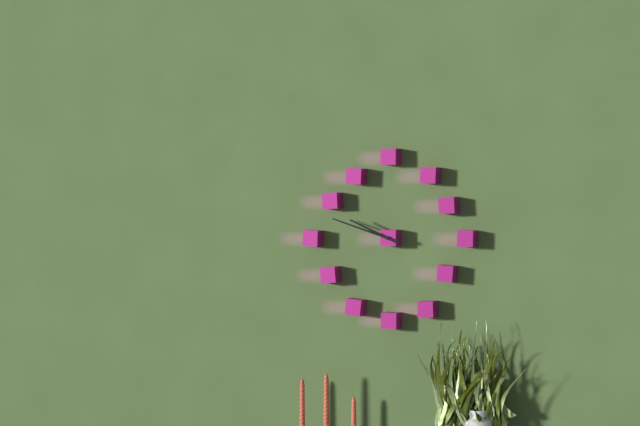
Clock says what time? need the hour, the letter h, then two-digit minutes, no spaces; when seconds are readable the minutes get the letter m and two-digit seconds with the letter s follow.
9h48
